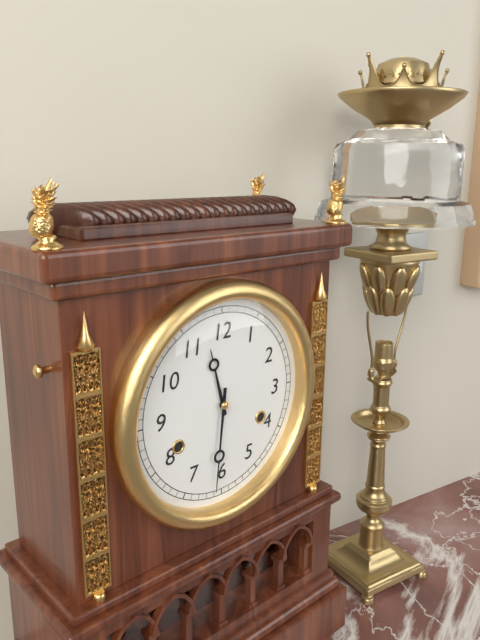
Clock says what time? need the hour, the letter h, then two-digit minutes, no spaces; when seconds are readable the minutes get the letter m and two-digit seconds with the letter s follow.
11h31
